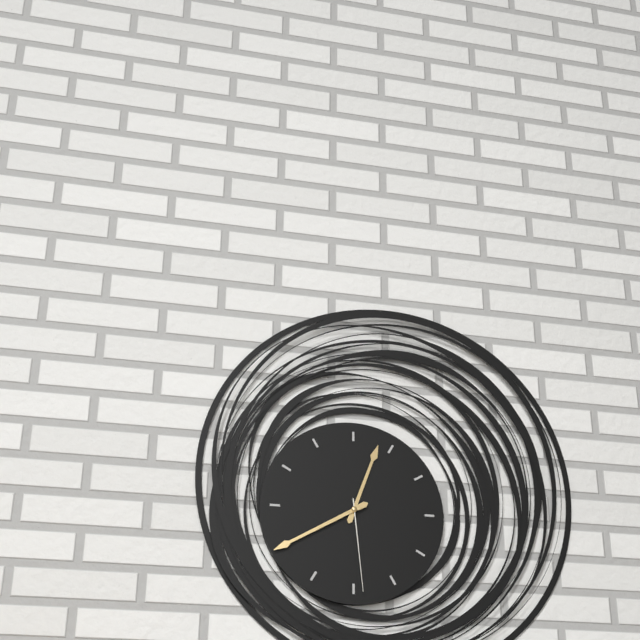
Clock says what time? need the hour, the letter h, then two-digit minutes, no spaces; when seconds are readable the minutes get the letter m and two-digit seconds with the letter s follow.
12h40m29s
